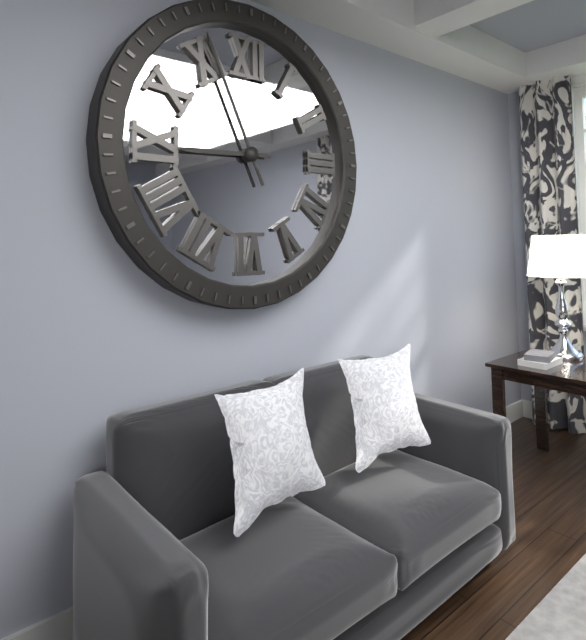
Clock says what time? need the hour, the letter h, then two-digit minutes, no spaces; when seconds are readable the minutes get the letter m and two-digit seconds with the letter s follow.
8h56
